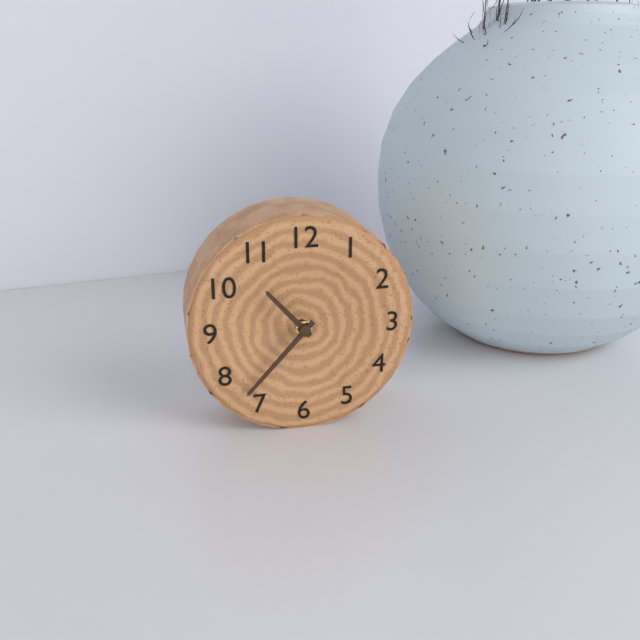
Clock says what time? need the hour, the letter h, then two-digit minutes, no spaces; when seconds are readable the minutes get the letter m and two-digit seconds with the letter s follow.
10h37
